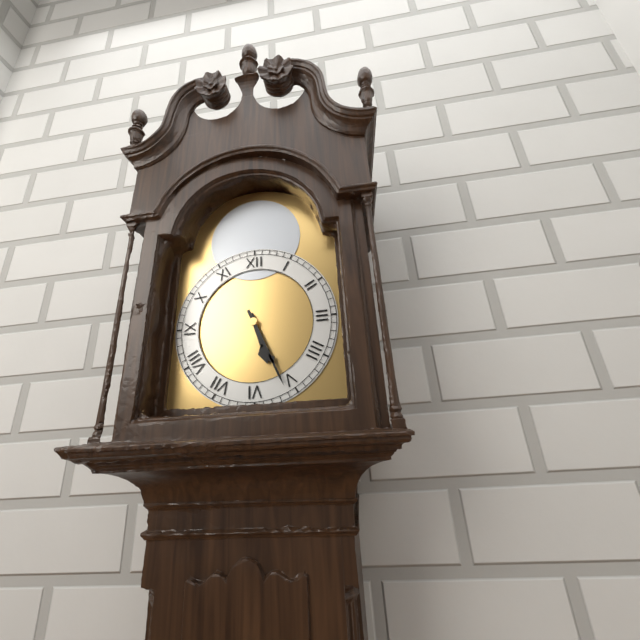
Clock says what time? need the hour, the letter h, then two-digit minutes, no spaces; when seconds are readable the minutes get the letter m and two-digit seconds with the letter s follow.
5h26
